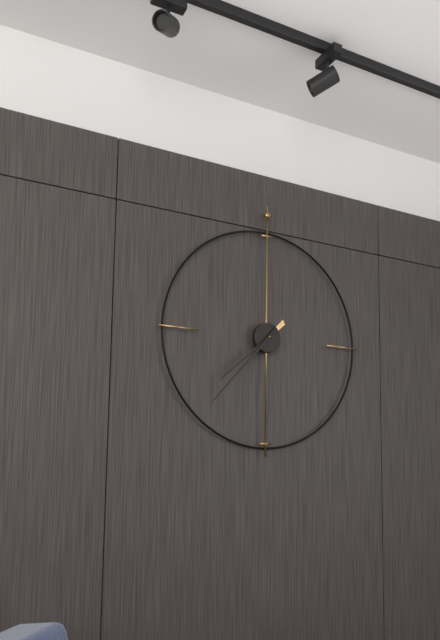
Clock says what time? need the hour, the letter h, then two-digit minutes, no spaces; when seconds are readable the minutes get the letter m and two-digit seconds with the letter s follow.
7h37
